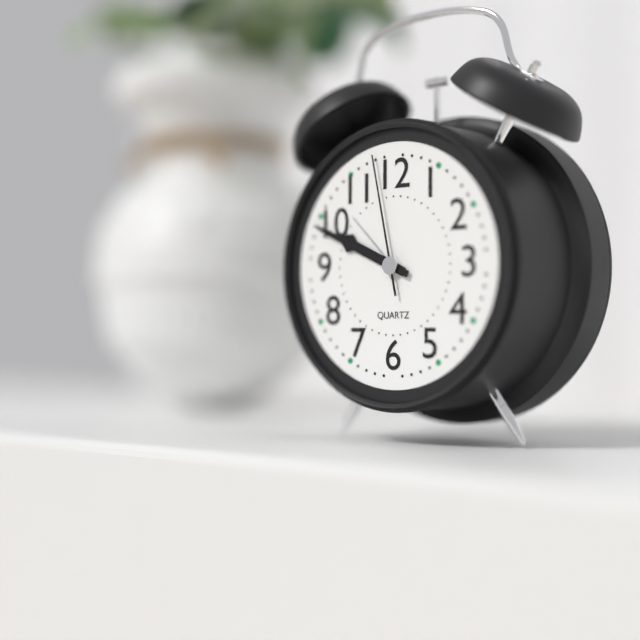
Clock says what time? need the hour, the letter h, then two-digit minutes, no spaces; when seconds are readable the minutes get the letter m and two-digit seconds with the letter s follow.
9h49m58s
